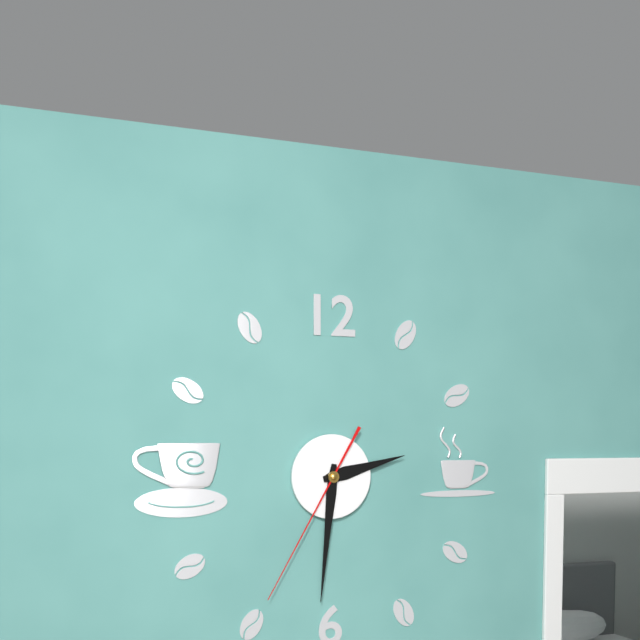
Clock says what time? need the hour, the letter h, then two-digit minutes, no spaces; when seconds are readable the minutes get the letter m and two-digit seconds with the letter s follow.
2h31m35s
